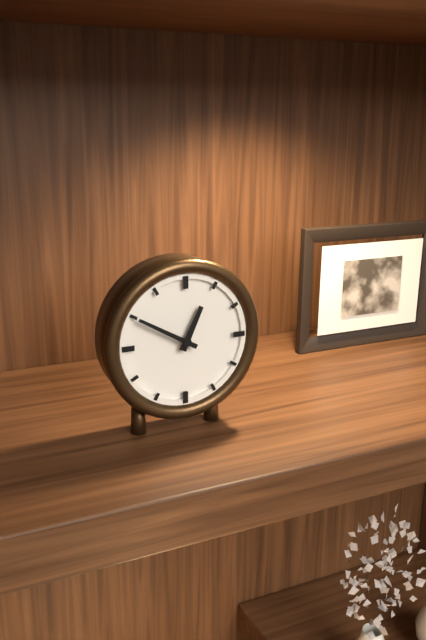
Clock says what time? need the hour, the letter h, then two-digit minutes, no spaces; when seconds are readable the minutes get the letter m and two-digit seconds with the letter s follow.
12h50
